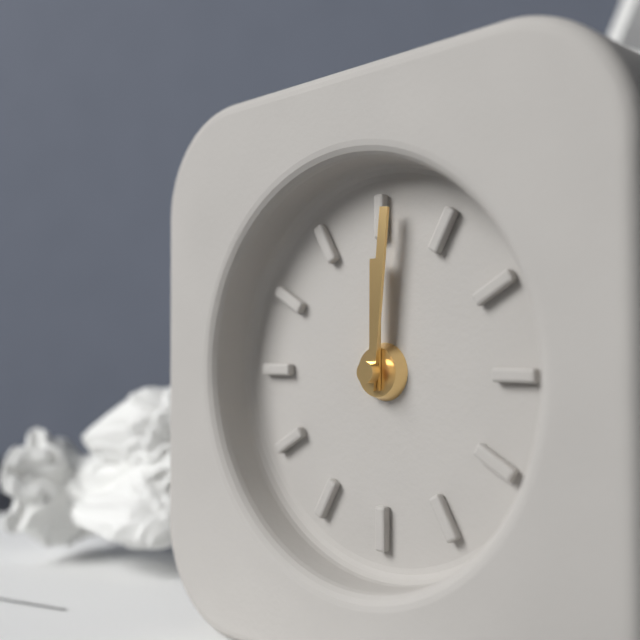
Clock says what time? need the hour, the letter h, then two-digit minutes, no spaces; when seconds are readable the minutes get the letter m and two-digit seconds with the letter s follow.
12h01
